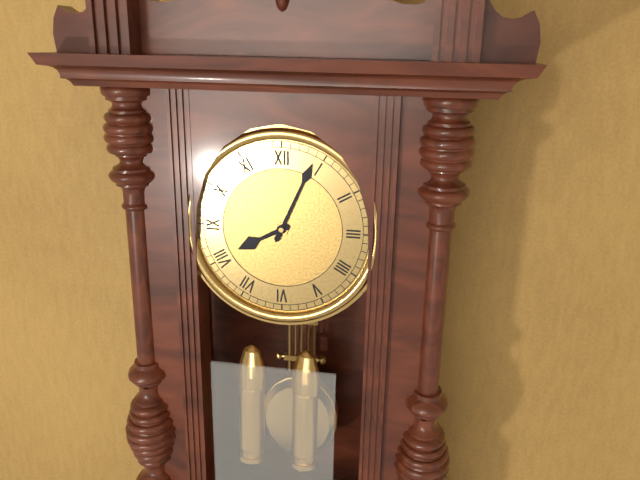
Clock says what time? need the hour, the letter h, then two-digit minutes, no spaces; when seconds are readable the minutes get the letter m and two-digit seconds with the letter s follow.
8h04
